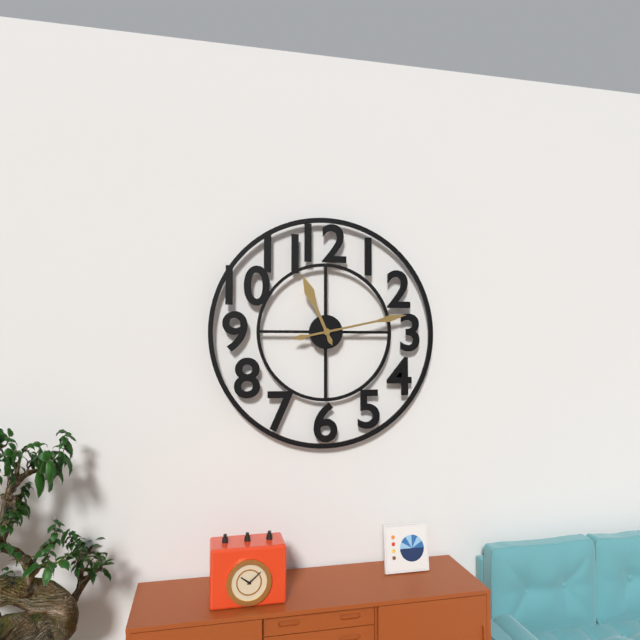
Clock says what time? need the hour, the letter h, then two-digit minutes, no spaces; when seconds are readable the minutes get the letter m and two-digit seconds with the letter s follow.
11h13
